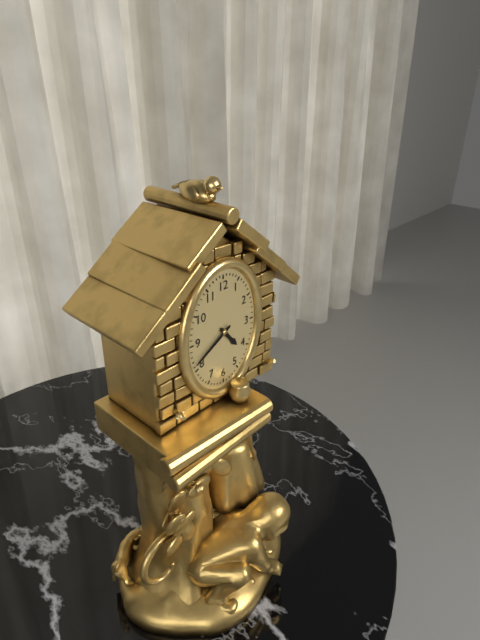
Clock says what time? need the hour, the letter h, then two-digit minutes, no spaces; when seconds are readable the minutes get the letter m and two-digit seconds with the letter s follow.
4h40
